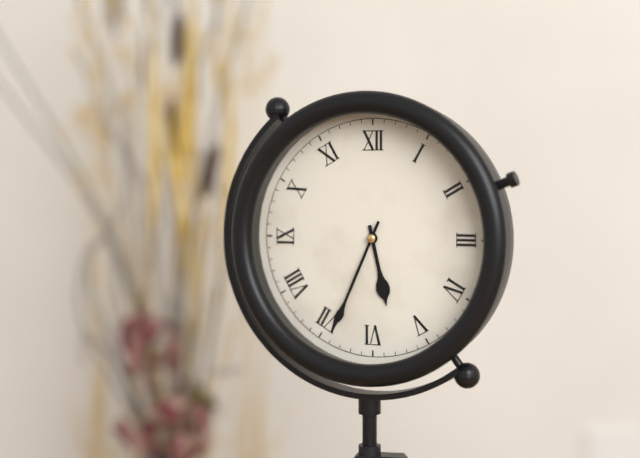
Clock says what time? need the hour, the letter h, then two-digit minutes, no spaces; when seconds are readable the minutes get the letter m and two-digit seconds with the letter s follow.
5h34
